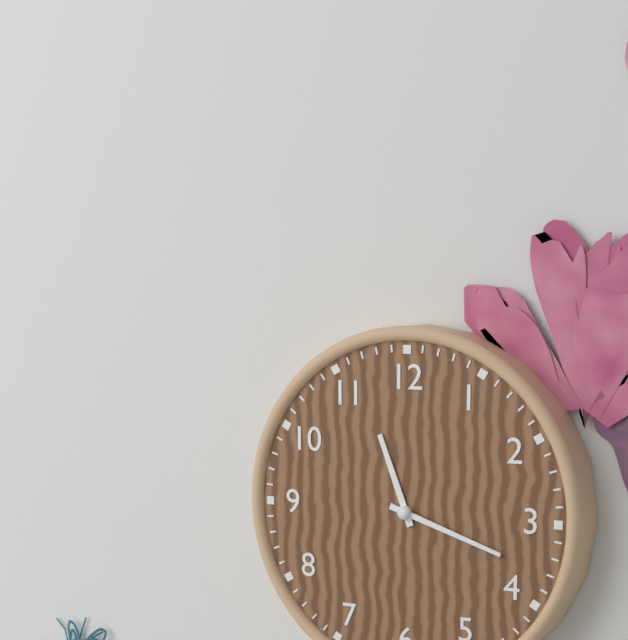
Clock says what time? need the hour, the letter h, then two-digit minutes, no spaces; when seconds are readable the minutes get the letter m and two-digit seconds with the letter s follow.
11h18
